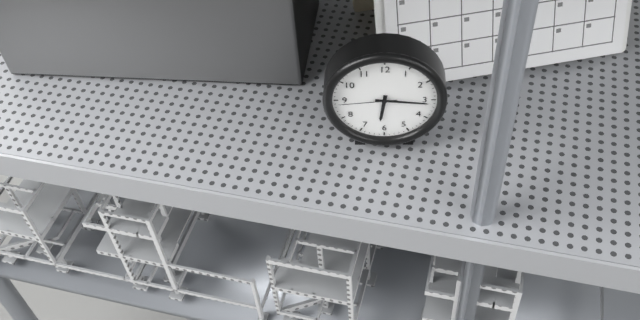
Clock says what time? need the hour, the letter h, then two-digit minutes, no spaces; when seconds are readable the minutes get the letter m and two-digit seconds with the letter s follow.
6h16m44s
